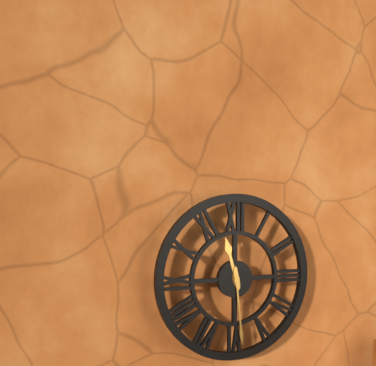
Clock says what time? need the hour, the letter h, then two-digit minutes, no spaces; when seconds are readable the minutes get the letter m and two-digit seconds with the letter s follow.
11h29
